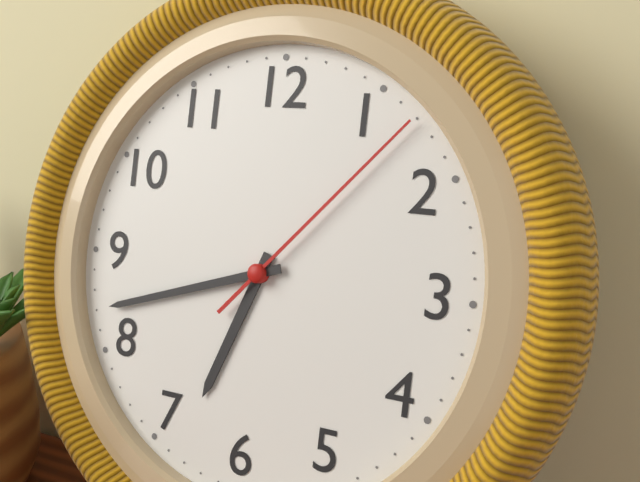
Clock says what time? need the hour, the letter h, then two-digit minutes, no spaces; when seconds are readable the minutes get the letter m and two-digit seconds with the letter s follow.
6h42m07s
